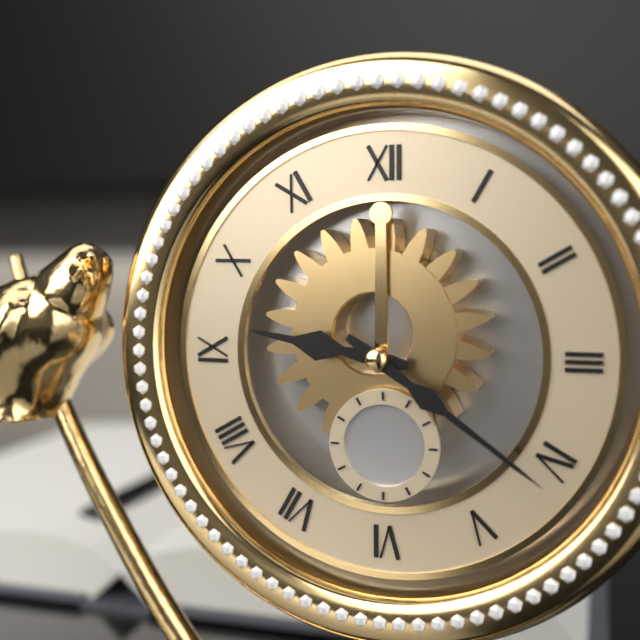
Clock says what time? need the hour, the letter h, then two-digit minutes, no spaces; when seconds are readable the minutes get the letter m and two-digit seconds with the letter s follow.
9h21
